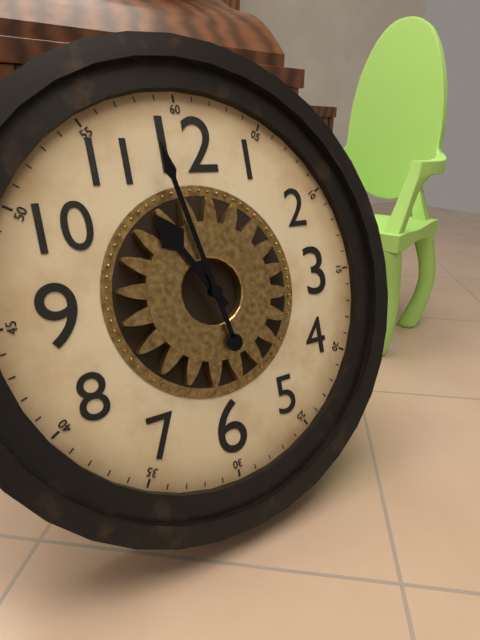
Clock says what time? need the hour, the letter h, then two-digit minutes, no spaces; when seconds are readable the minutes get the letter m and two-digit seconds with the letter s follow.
10h58
